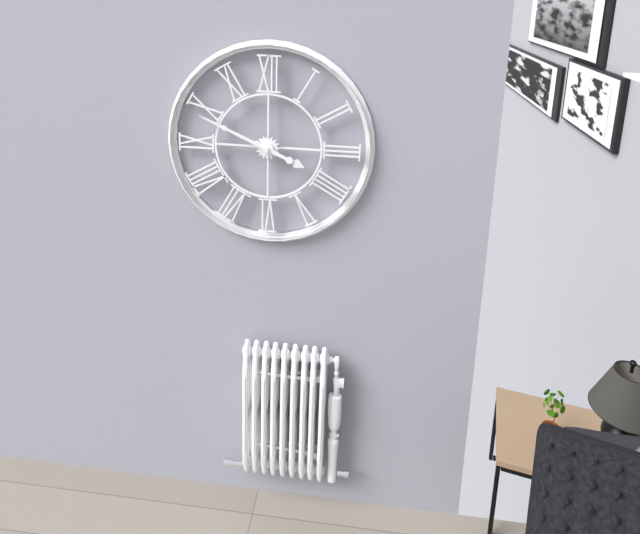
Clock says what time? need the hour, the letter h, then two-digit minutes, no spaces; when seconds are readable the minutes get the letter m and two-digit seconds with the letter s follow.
3h49
